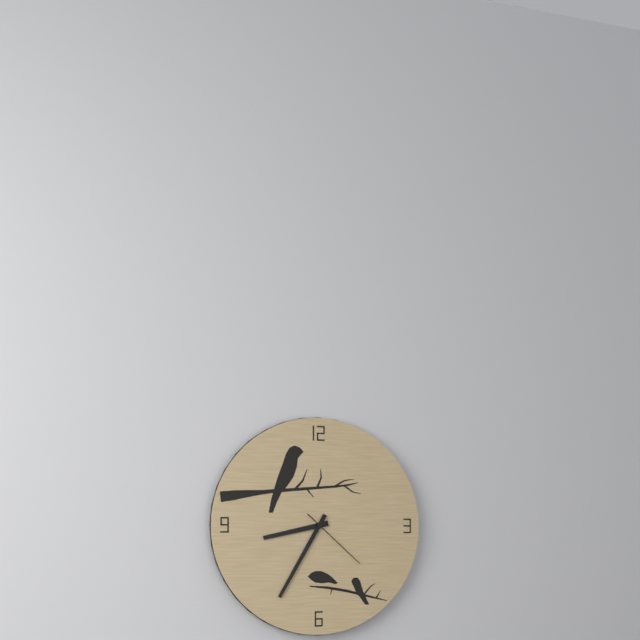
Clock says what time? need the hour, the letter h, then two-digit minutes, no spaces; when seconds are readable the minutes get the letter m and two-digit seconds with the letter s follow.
8h35m22s
